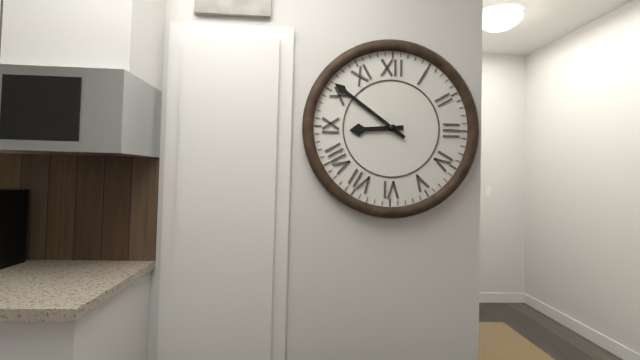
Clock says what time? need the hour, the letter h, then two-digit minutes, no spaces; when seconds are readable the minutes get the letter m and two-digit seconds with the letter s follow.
8h51
